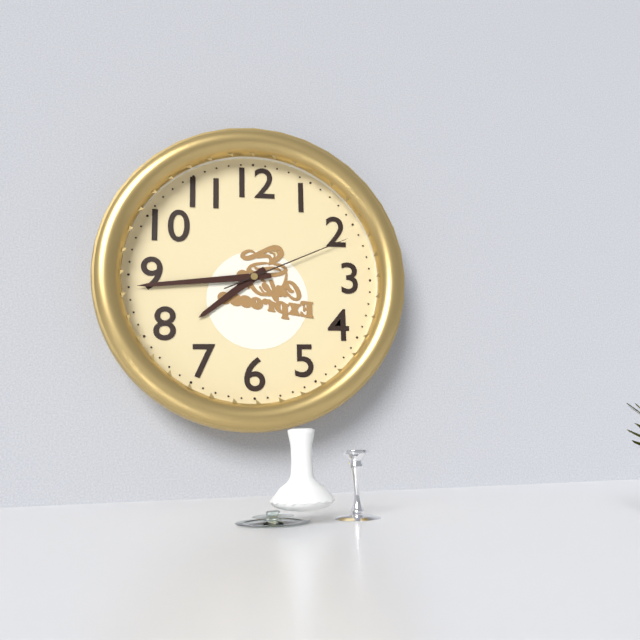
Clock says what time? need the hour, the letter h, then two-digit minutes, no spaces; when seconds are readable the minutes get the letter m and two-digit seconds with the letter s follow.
7h44m11s
